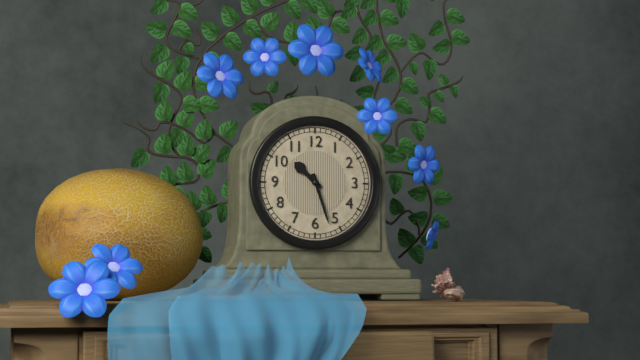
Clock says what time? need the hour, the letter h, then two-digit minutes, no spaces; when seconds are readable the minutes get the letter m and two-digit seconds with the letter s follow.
10h27
